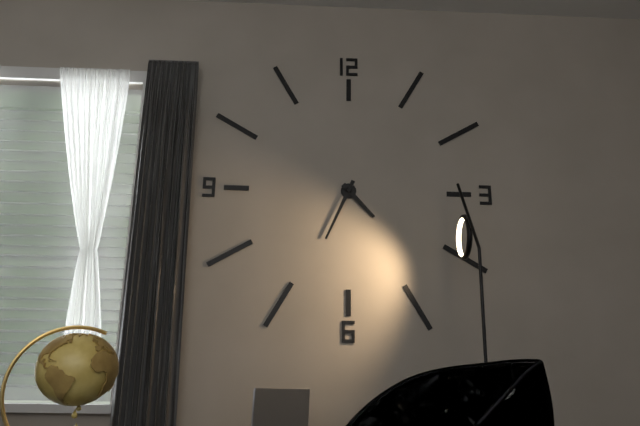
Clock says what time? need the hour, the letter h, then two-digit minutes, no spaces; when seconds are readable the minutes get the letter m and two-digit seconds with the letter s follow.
4h34
